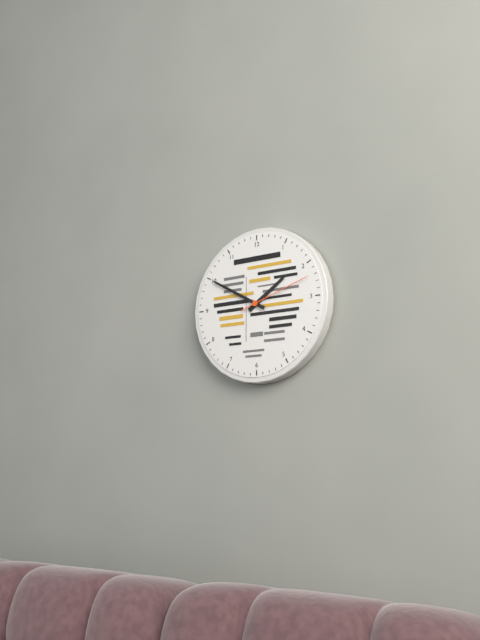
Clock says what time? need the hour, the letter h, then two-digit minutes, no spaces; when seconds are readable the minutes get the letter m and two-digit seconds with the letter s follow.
1h50m12s
